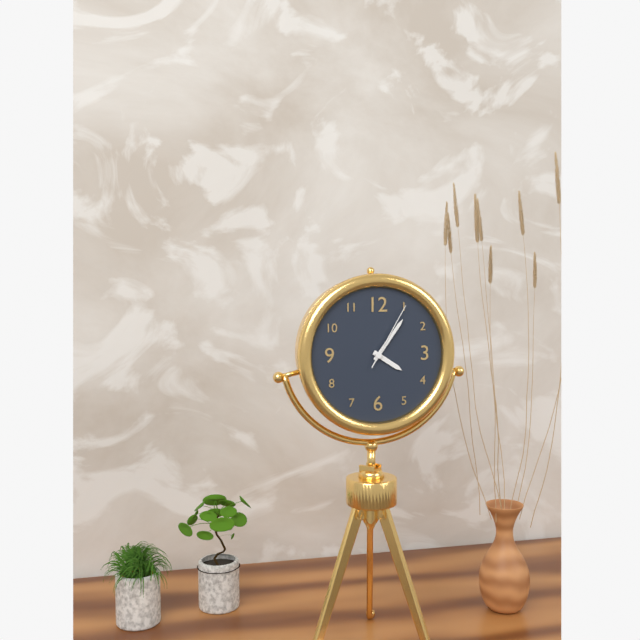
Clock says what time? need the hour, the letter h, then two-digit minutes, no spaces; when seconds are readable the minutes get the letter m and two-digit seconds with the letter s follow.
4h06m05s
